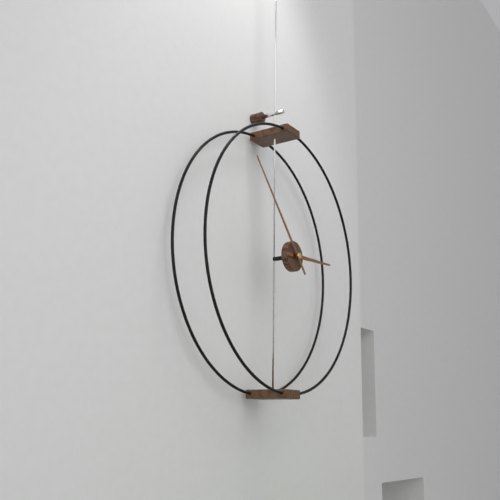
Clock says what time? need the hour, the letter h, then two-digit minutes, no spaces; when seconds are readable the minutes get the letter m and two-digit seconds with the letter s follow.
2h53
